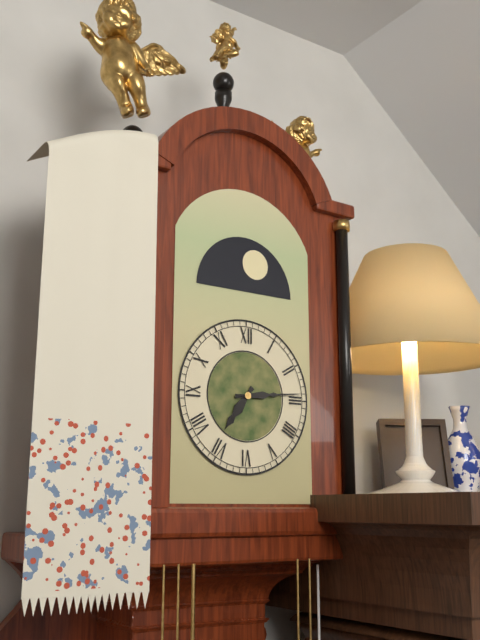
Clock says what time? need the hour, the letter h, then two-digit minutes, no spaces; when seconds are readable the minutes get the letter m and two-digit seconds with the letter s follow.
7h14
